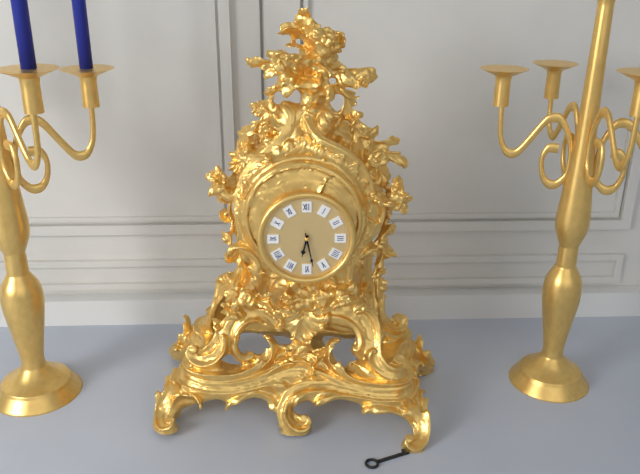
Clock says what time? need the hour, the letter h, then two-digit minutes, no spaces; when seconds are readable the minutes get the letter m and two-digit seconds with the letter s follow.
6h28
